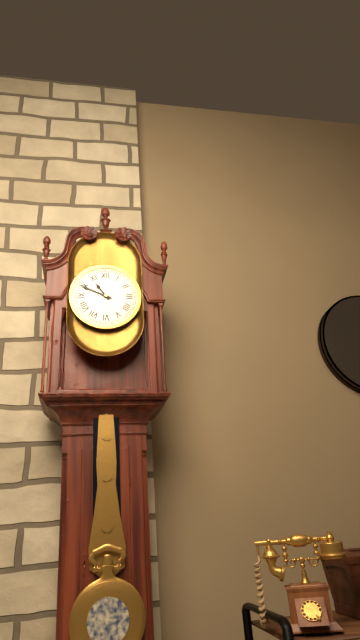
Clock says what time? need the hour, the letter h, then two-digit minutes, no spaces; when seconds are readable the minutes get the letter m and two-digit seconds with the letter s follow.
10h49
